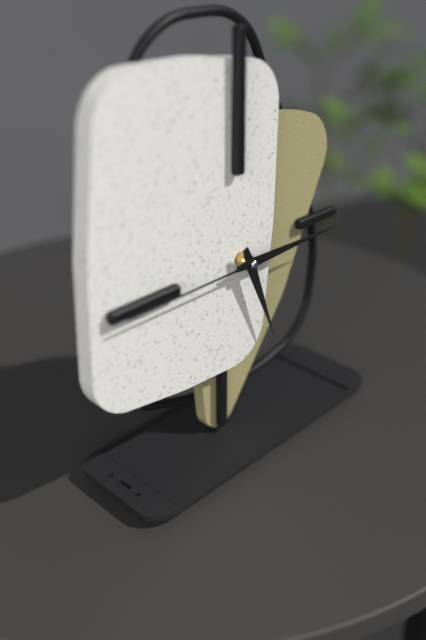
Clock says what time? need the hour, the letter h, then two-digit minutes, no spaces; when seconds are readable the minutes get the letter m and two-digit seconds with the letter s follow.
5h15m45s
